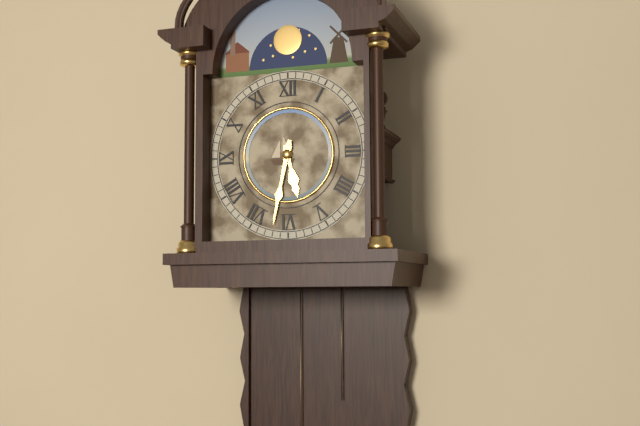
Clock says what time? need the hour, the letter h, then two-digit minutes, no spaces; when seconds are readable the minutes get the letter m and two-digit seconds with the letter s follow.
5h32
